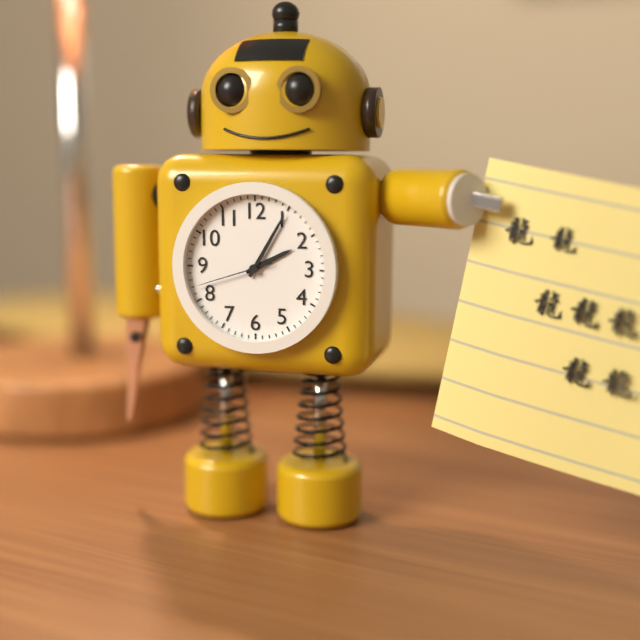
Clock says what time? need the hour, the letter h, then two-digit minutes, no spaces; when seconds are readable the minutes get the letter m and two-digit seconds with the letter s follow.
2h05m42s
